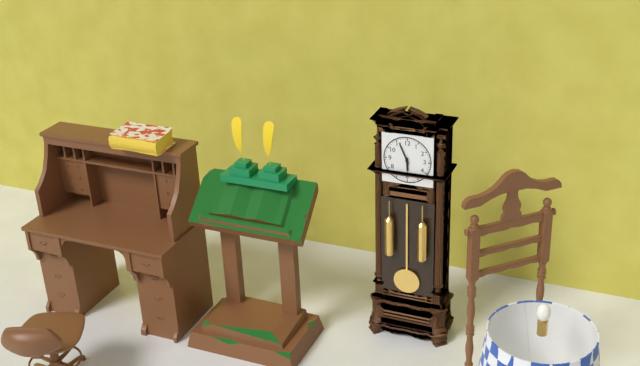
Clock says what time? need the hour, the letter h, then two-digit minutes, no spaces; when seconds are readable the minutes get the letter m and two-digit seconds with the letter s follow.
5h56
